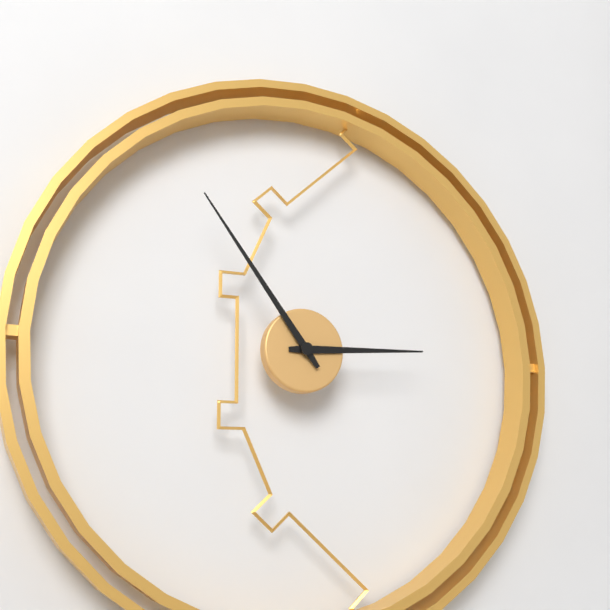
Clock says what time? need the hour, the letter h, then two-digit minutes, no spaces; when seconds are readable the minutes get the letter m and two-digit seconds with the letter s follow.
2h54
